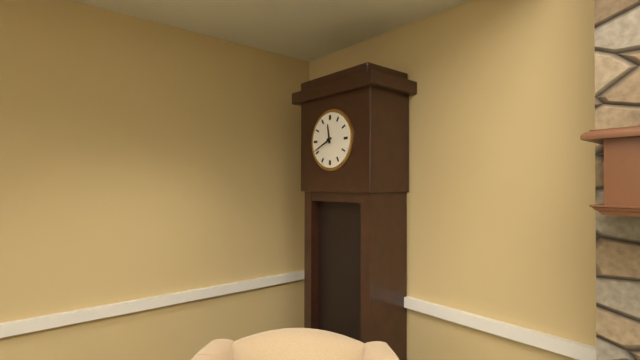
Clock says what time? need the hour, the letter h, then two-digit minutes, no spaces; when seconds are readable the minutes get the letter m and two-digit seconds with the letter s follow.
11h41
